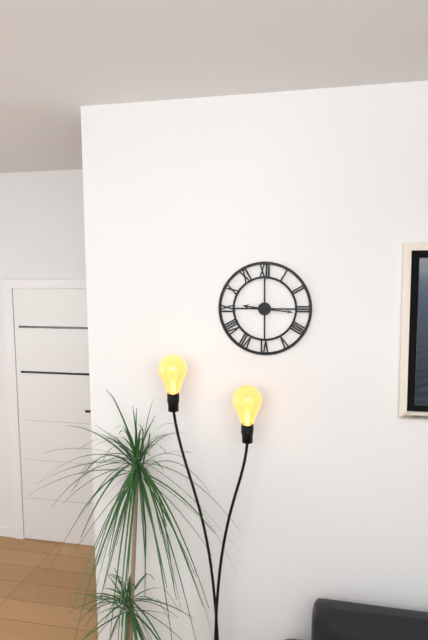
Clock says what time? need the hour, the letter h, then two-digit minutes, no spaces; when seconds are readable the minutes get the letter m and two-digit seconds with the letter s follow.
9h16
